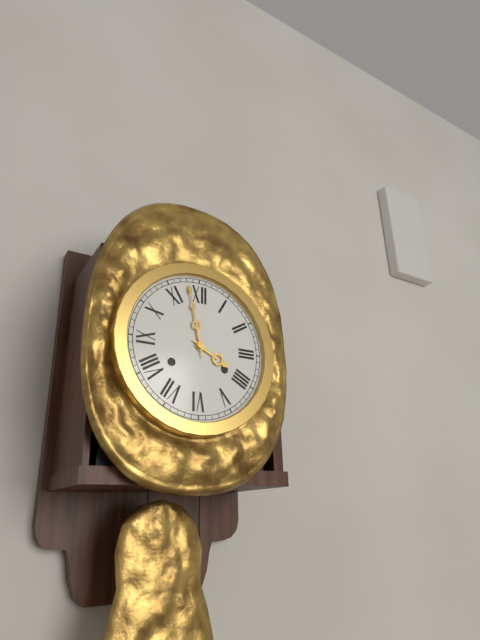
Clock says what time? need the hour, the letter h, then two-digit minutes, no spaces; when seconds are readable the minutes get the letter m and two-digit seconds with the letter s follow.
3h58
